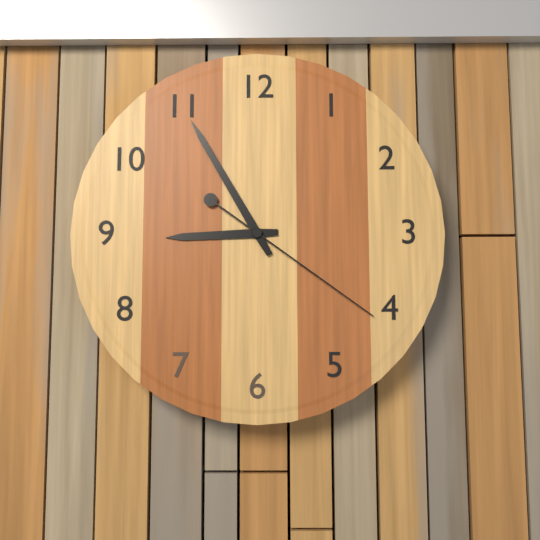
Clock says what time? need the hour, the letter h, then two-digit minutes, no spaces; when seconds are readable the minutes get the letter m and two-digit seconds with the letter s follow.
8h55m21s
